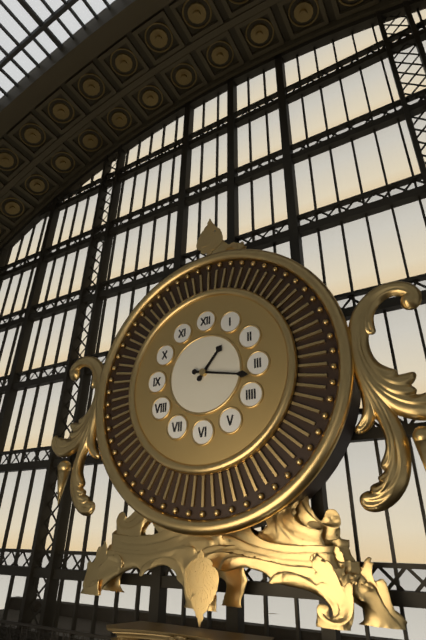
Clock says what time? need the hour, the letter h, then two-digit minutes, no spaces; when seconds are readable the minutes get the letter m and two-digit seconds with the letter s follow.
1h17
